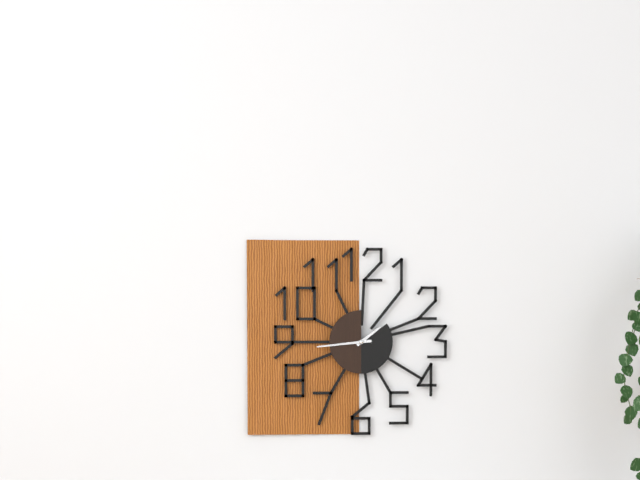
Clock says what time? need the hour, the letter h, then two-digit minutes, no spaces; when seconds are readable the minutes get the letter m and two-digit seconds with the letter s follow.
1h44
